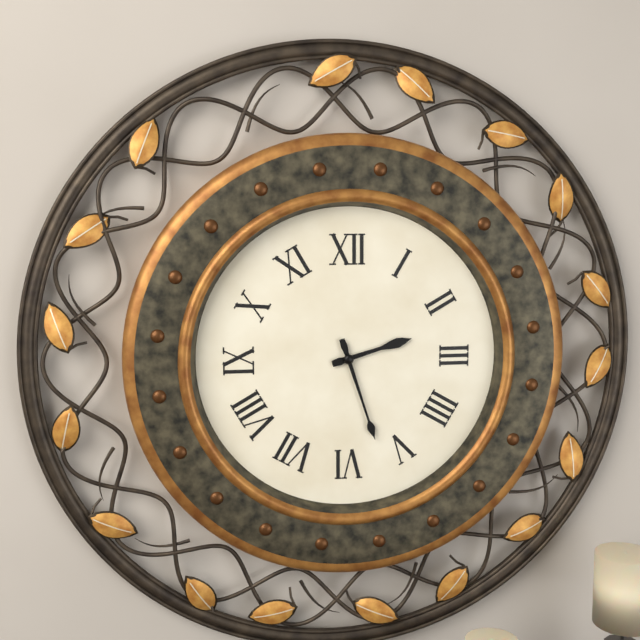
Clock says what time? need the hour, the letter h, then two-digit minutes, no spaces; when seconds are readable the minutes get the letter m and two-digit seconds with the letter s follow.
2h27
